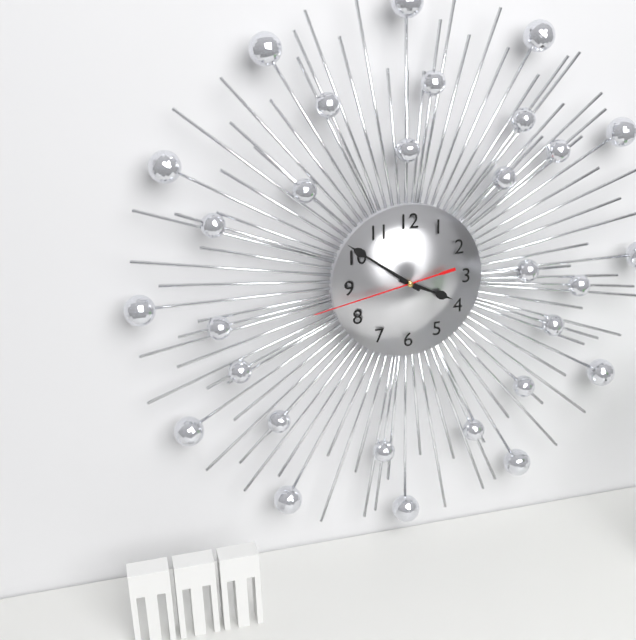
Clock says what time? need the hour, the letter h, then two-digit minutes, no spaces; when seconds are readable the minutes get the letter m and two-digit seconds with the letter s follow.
3h51m43s
